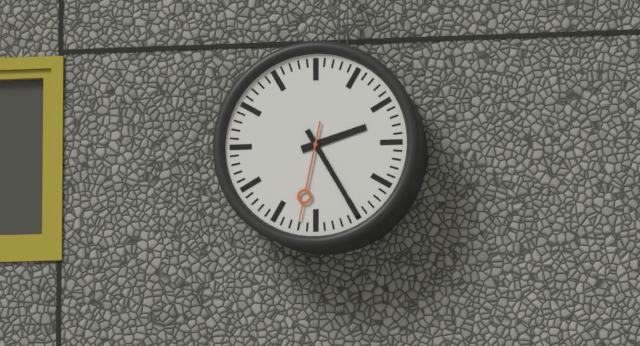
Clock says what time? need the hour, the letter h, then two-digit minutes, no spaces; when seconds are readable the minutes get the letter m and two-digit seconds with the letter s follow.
2h25m32s
